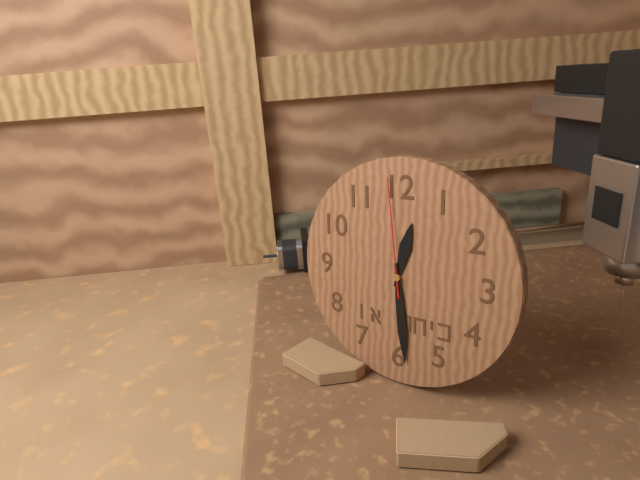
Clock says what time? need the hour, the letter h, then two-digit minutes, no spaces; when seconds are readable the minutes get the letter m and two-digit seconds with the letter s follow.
12h29m59s
